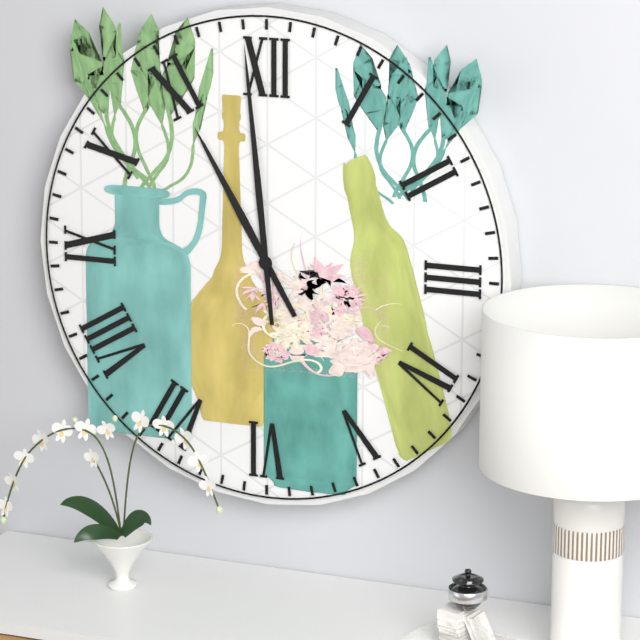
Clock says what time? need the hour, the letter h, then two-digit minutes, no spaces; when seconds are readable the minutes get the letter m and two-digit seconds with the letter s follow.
10h59
